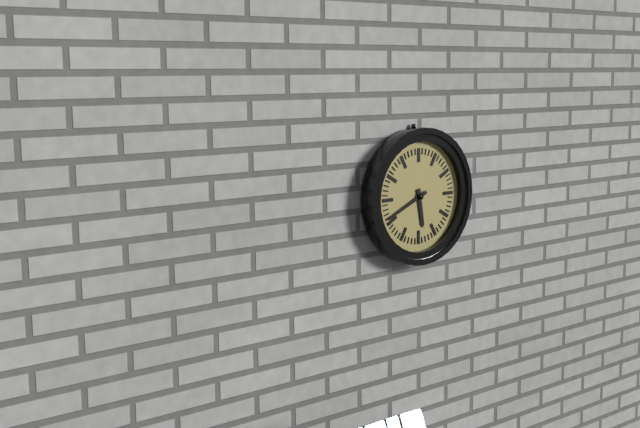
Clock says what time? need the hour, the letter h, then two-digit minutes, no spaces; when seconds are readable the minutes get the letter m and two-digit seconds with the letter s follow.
5h41
